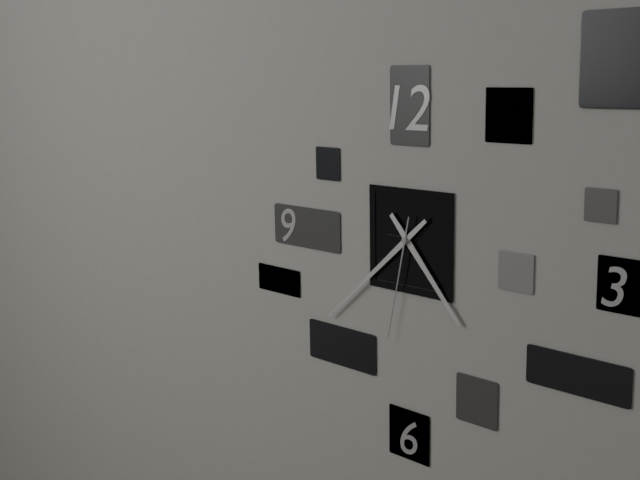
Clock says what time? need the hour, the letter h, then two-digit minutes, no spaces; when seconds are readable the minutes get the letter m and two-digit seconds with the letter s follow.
4h38m32s
